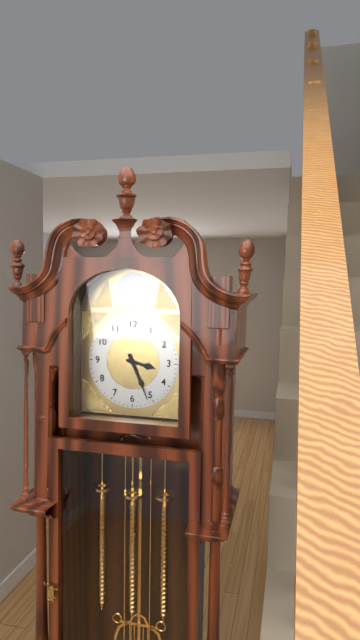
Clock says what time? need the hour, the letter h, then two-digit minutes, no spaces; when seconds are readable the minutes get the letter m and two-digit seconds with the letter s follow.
3h26
